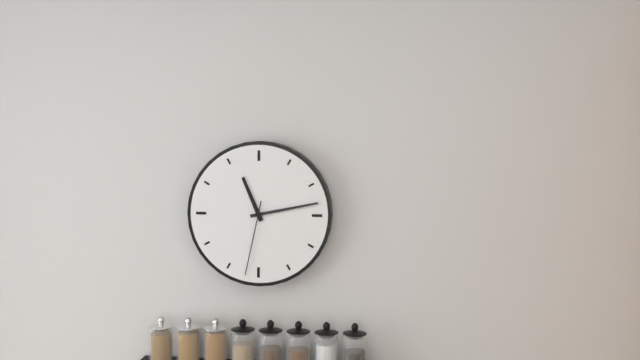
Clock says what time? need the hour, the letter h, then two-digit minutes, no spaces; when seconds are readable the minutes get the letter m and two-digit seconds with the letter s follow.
11h13m32s
